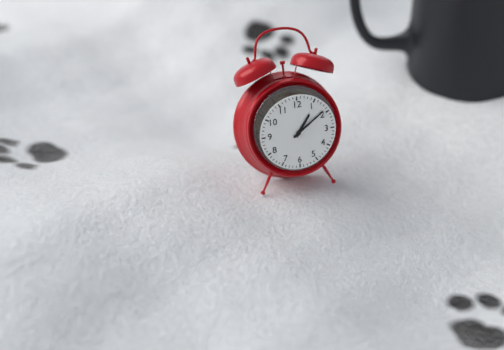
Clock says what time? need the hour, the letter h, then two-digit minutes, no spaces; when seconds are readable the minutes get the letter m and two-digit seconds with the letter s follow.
1h09
